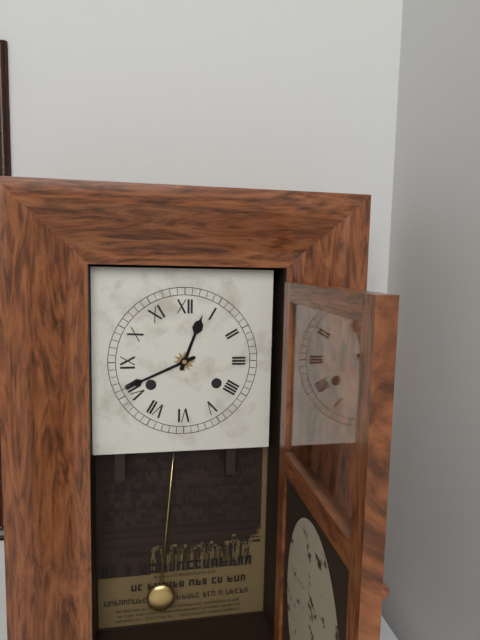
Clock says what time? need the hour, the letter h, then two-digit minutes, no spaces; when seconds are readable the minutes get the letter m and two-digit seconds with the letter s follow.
12h41
